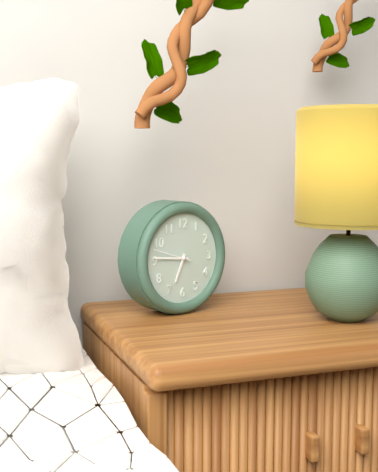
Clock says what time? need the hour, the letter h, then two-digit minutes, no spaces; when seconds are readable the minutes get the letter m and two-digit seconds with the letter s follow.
6h46
